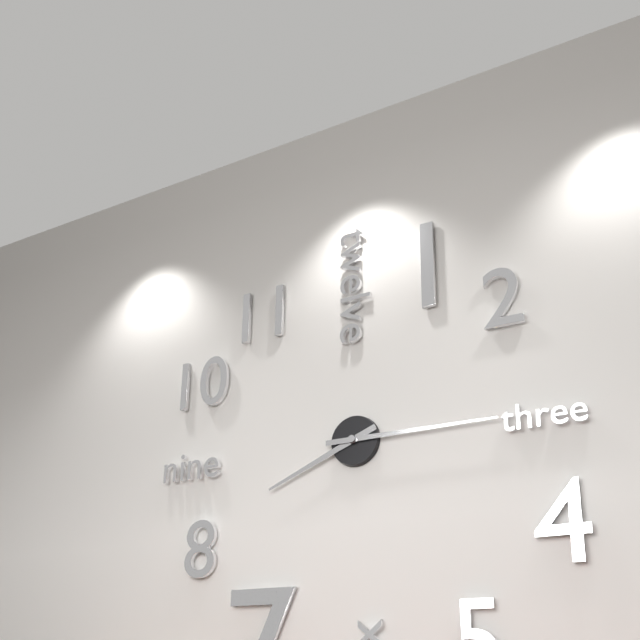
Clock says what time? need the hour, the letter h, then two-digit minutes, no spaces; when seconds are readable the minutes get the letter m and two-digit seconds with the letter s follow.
8h15
